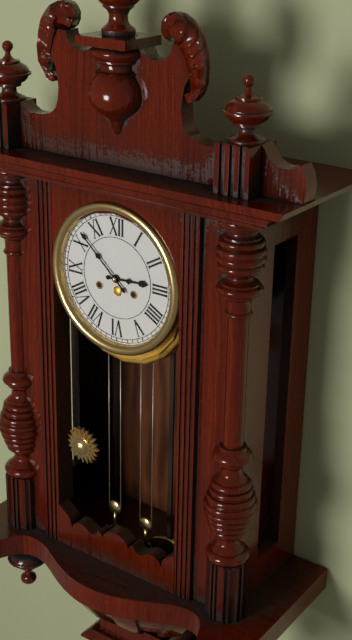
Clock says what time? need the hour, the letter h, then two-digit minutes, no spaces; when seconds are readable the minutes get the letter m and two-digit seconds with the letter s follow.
2h52
